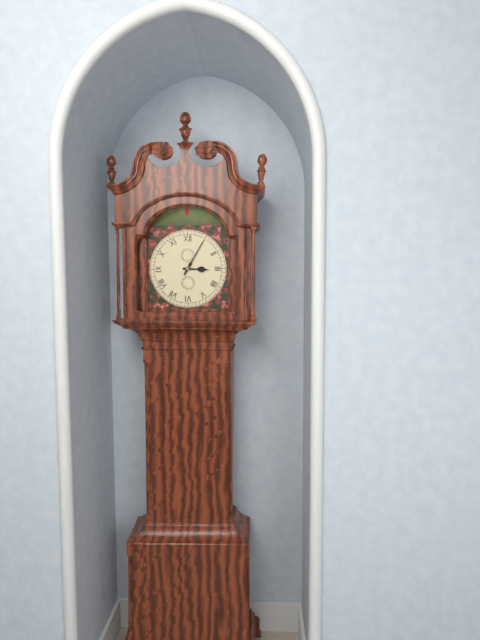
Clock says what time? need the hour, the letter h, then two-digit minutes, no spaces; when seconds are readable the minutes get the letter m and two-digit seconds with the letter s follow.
3h05
